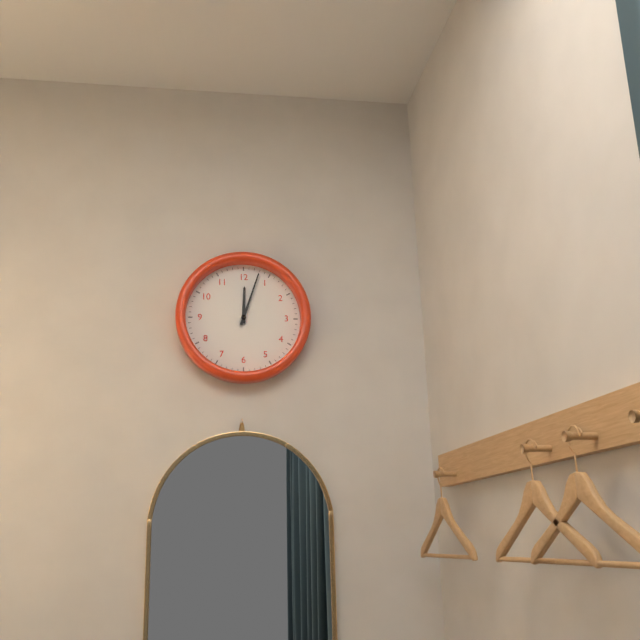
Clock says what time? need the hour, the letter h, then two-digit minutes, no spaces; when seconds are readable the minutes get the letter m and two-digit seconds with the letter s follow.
12h03
